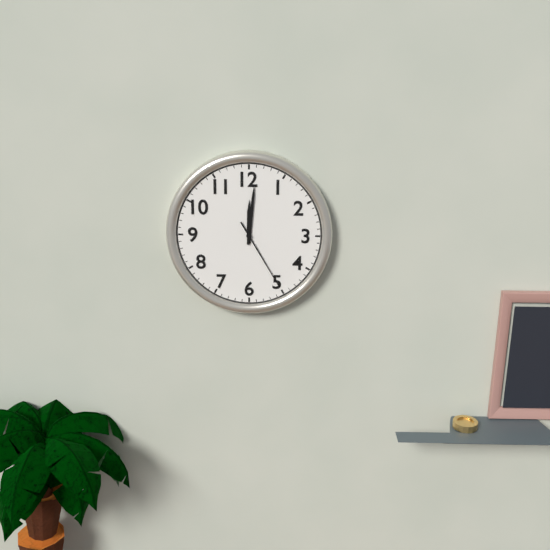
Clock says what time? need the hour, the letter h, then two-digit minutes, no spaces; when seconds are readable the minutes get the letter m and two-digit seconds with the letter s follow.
12h01m25s
